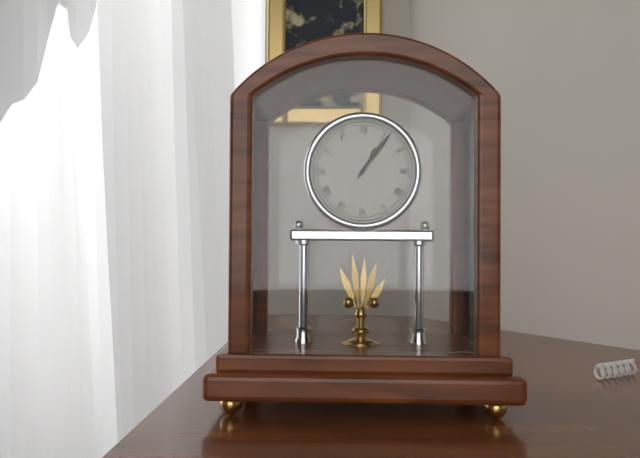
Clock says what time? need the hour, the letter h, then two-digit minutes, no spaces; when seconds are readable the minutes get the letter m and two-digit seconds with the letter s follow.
1h06
